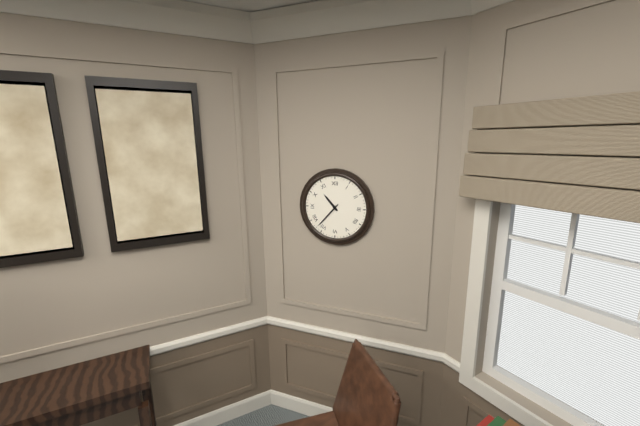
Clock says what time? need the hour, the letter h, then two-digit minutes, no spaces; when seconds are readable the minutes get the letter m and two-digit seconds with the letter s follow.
10h37
